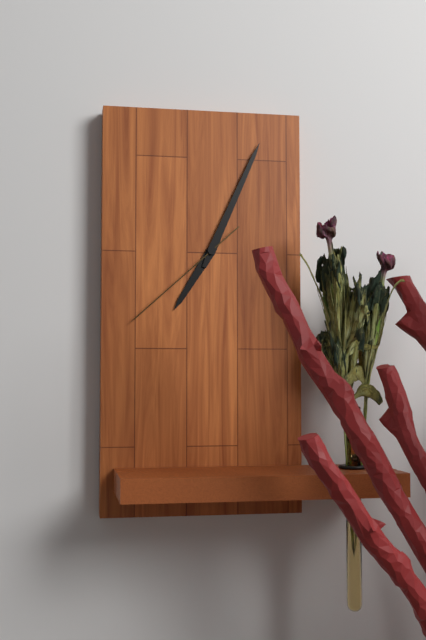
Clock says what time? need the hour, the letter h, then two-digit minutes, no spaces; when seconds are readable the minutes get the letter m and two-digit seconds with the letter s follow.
7h04m38s
